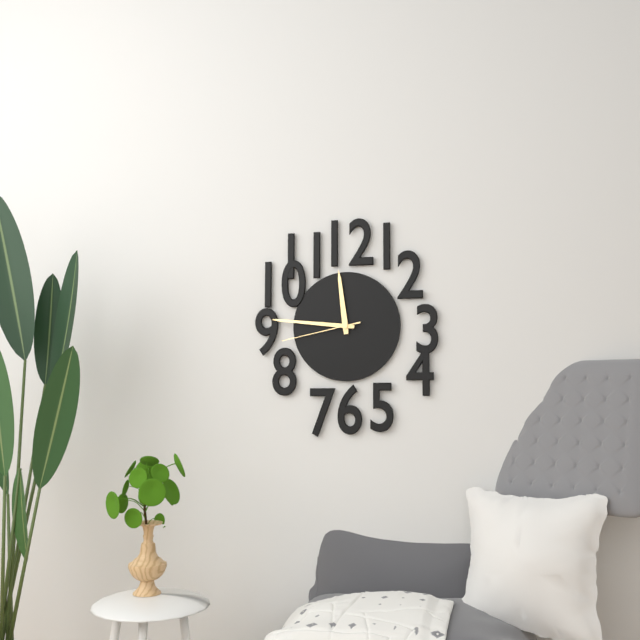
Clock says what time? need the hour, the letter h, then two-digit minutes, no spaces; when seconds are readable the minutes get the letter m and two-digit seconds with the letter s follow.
11h46m43s
